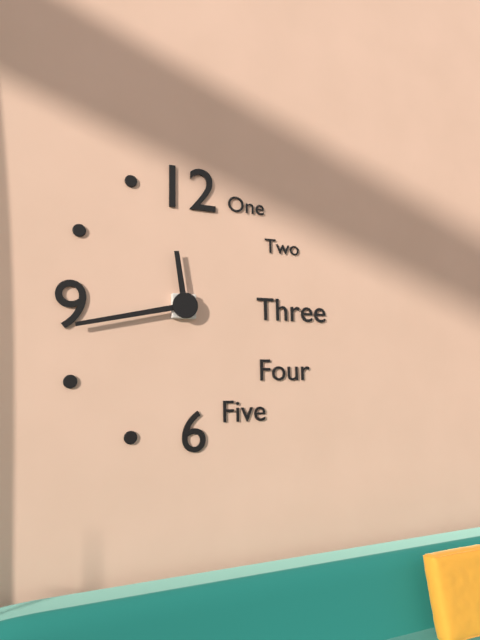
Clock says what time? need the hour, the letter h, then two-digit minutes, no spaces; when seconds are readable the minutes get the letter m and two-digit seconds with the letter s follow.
11h43
